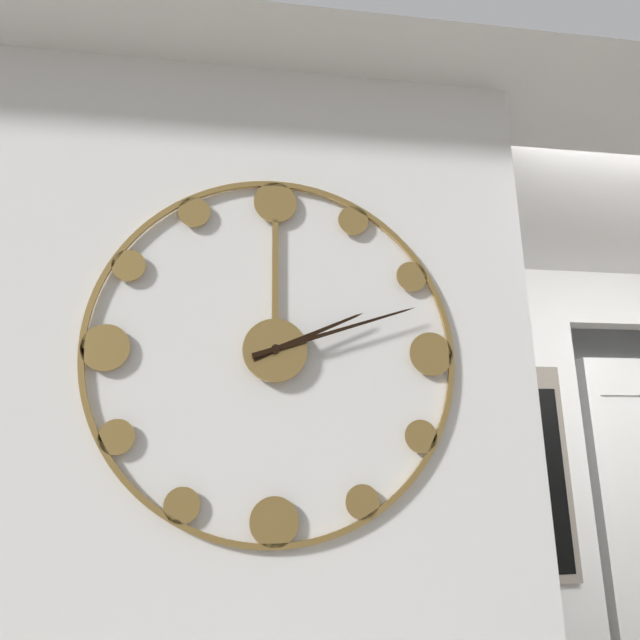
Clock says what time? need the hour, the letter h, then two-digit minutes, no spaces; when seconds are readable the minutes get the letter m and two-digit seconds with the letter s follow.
2h12
